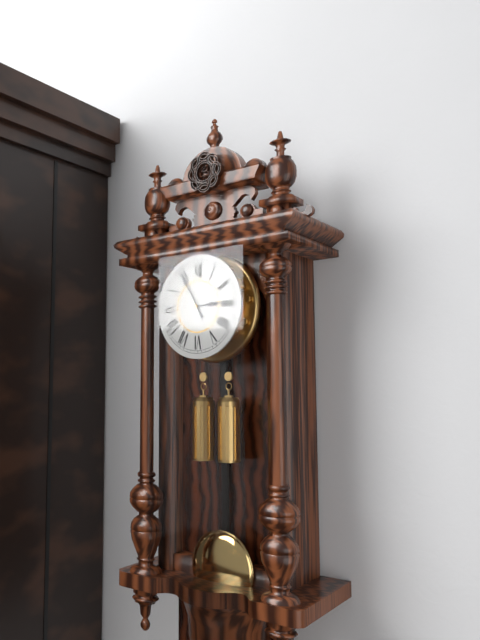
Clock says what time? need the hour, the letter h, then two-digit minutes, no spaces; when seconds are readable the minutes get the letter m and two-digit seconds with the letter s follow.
2h55
